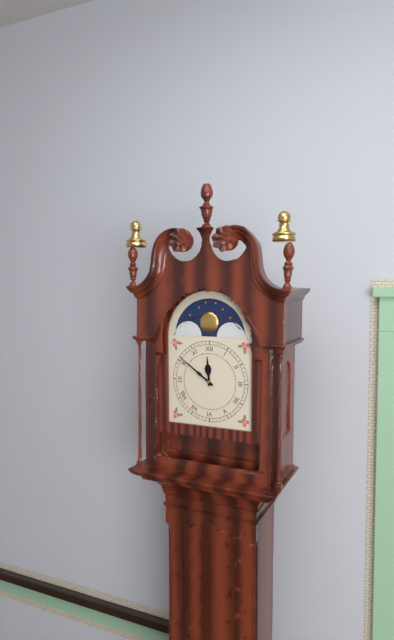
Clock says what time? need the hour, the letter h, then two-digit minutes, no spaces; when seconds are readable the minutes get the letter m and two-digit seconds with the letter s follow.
11h51
